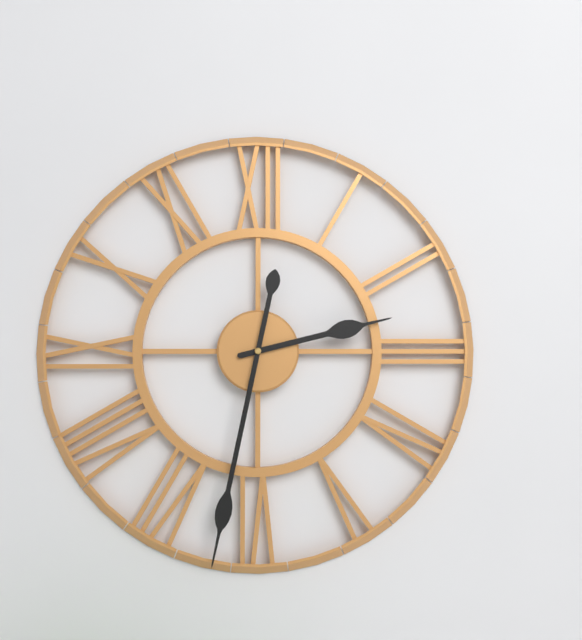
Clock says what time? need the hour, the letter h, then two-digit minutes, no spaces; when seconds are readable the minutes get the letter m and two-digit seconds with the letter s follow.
2h32
